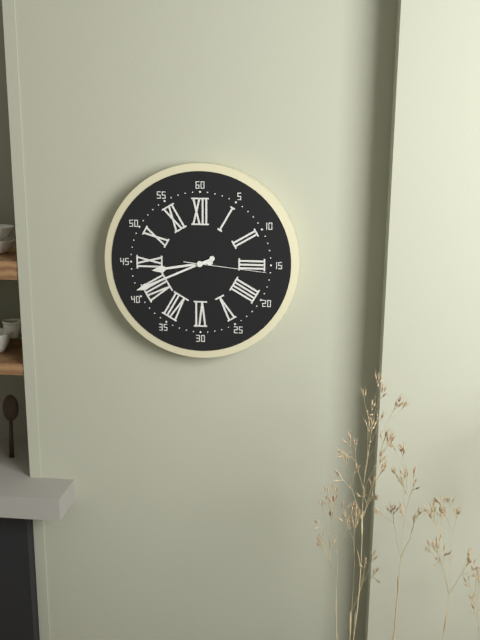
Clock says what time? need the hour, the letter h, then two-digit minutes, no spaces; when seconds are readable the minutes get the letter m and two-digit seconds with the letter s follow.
8h41m16s
